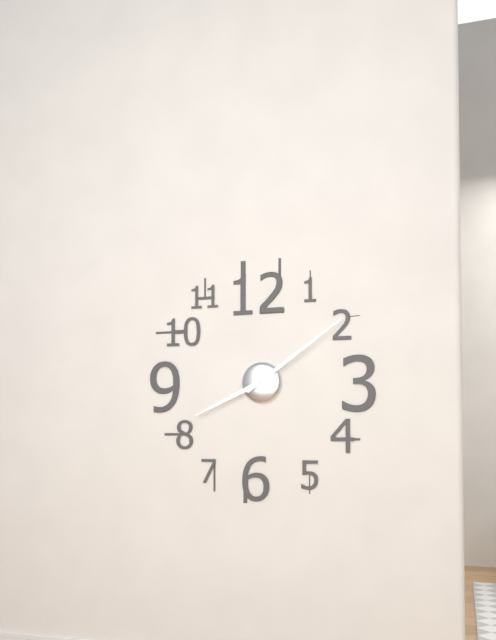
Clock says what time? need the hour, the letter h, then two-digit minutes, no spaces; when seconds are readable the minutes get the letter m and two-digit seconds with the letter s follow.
8h09
